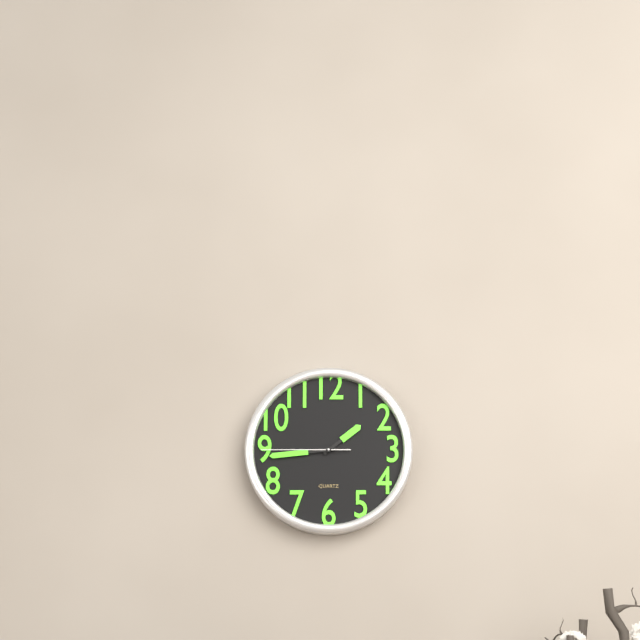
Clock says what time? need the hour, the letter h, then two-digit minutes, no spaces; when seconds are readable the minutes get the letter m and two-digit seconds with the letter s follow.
1h44m45s
